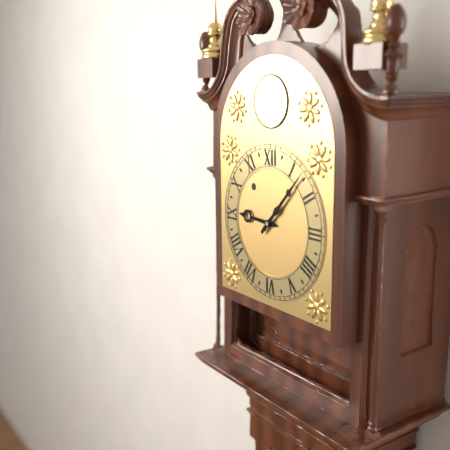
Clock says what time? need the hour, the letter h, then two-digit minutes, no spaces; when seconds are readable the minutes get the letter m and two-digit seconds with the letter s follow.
9h07
